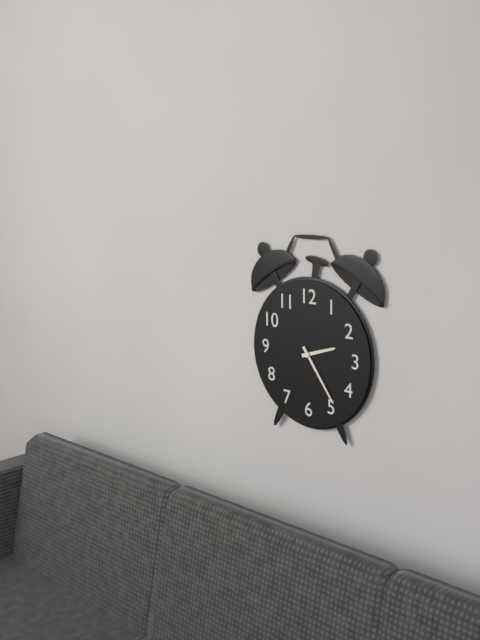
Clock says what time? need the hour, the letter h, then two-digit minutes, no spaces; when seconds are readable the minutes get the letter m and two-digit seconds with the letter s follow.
2h24
